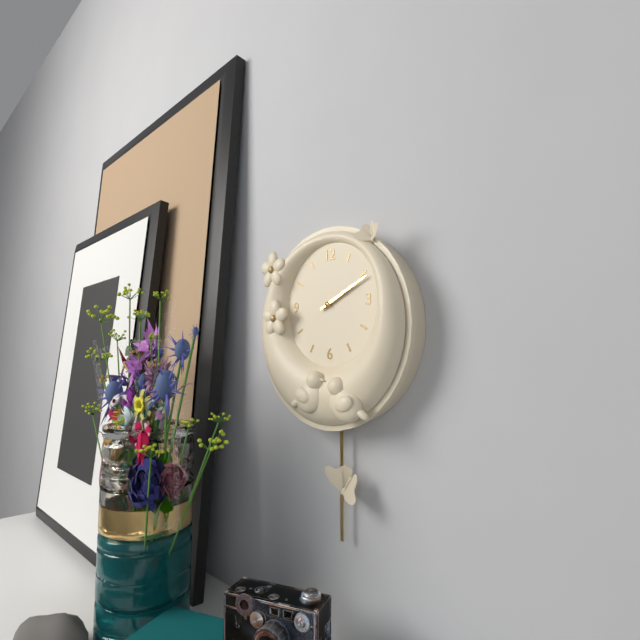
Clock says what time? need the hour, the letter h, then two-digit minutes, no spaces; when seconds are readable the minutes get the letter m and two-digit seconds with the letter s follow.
2h11
